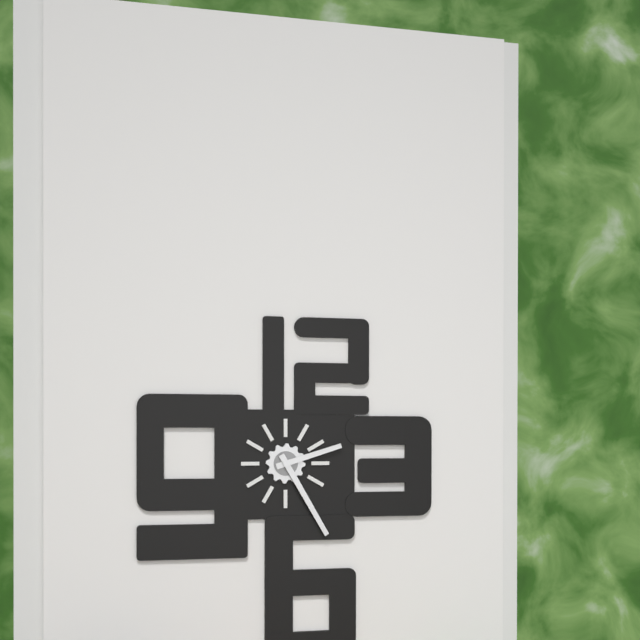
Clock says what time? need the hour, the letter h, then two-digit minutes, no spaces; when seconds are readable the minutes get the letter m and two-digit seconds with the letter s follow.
2h25
